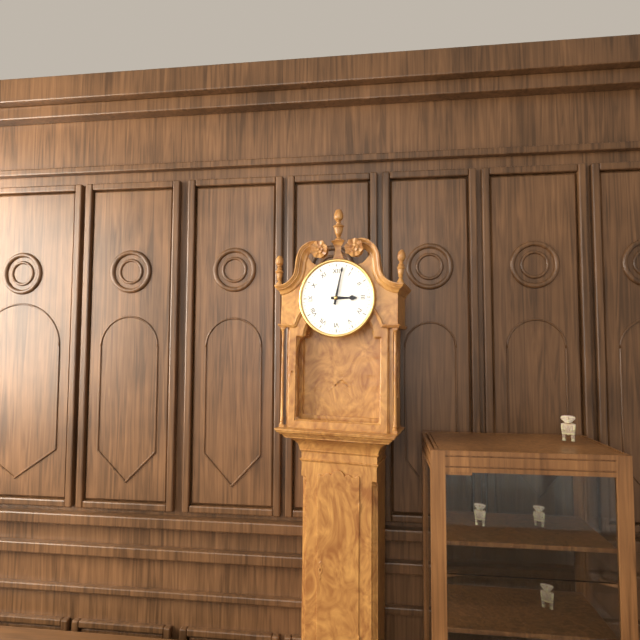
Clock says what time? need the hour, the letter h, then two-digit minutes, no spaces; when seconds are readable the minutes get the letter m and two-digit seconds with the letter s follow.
3h02
